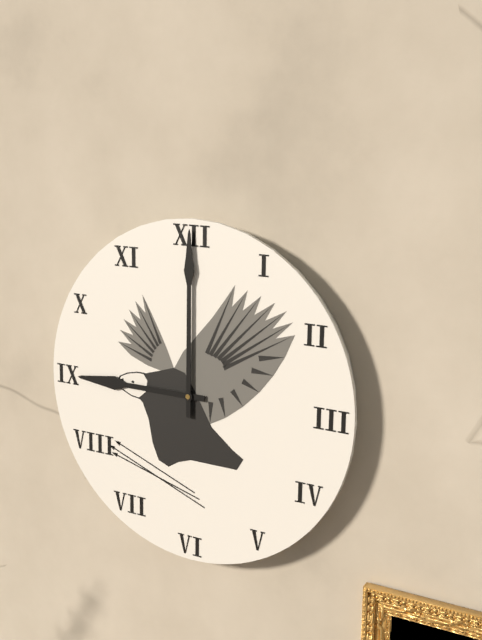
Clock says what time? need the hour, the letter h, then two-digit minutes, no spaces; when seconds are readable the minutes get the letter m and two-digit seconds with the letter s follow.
9h00
